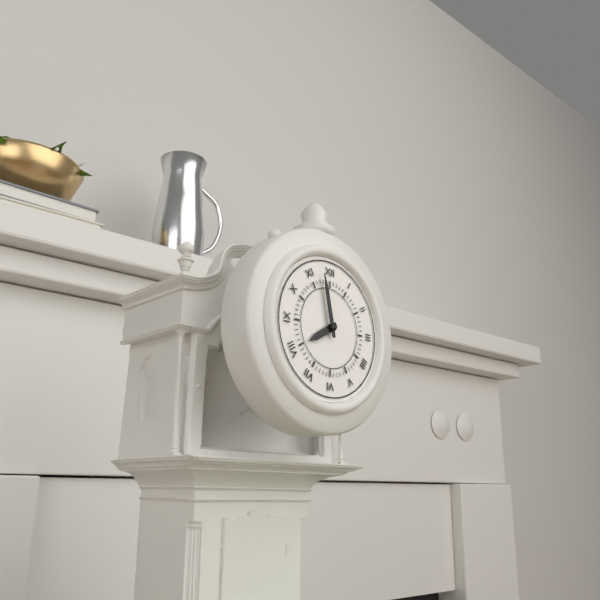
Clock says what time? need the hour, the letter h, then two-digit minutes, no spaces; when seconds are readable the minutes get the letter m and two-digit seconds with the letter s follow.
7h58
